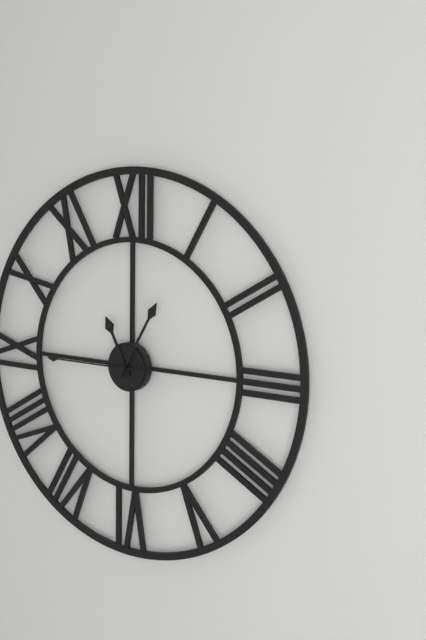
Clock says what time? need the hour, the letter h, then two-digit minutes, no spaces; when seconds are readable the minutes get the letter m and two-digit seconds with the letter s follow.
11h05m45s
